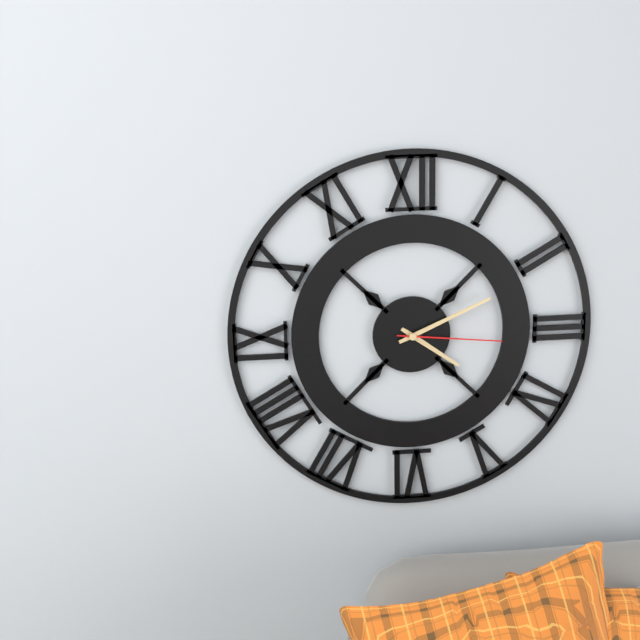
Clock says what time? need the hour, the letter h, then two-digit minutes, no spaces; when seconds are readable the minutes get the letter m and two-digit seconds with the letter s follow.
4h11m16s
